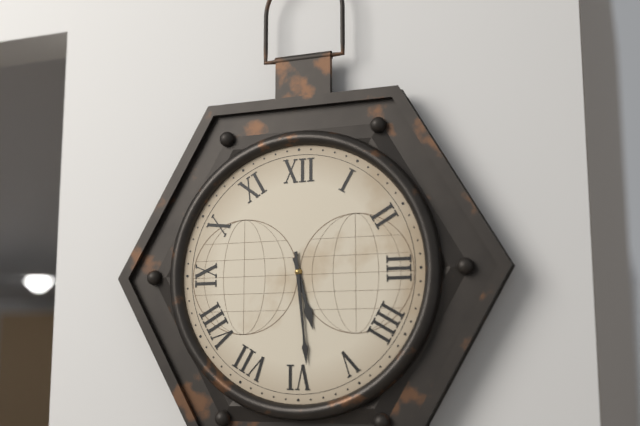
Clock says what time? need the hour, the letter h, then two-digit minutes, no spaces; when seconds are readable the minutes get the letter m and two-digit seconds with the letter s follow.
5h29
